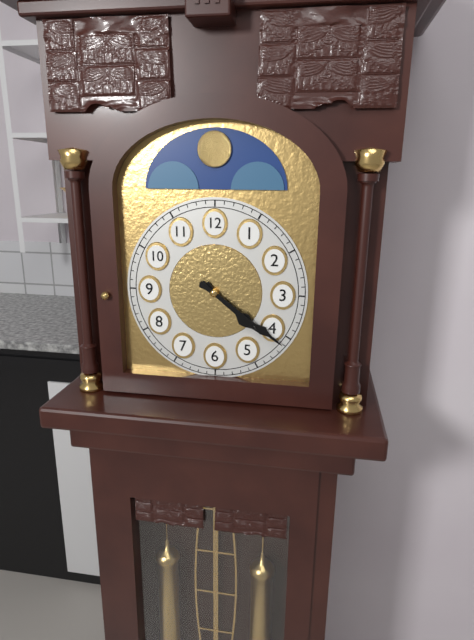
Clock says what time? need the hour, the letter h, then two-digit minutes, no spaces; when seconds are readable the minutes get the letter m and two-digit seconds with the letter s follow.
4h21
